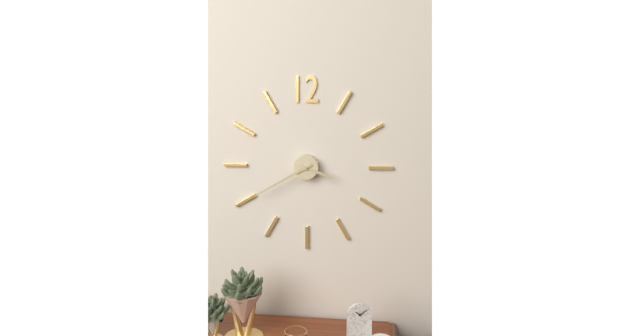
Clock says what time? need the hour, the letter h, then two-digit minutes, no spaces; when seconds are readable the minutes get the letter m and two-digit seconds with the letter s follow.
3h40
